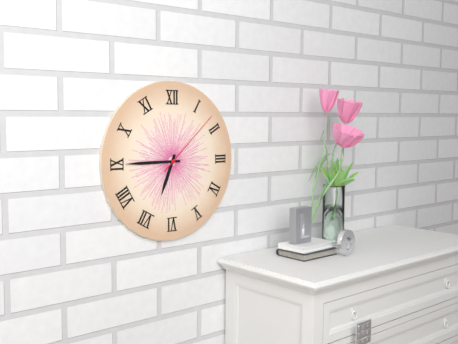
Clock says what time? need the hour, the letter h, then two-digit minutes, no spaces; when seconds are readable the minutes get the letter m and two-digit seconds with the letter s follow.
6h45m08s
